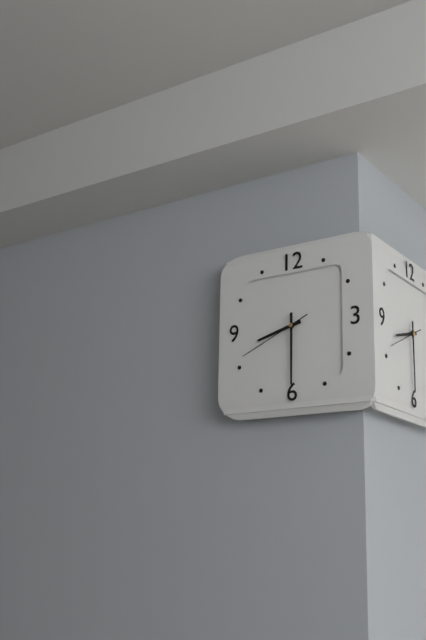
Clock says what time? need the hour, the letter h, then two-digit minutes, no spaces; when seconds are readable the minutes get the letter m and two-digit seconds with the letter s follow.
8h30m41s
